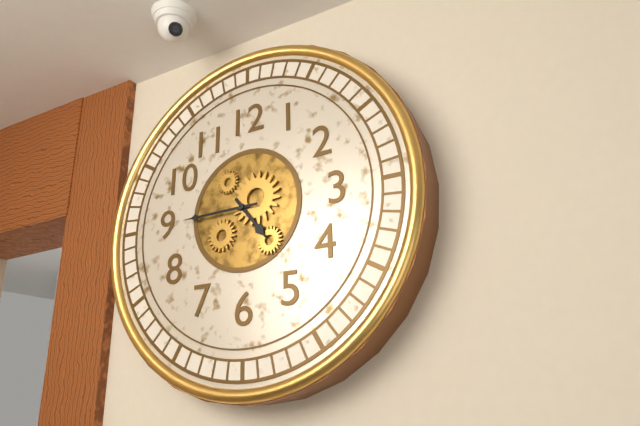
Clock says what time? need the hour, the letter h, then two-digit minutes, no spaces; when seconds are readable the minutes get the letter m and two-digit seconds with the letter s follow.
4h45
